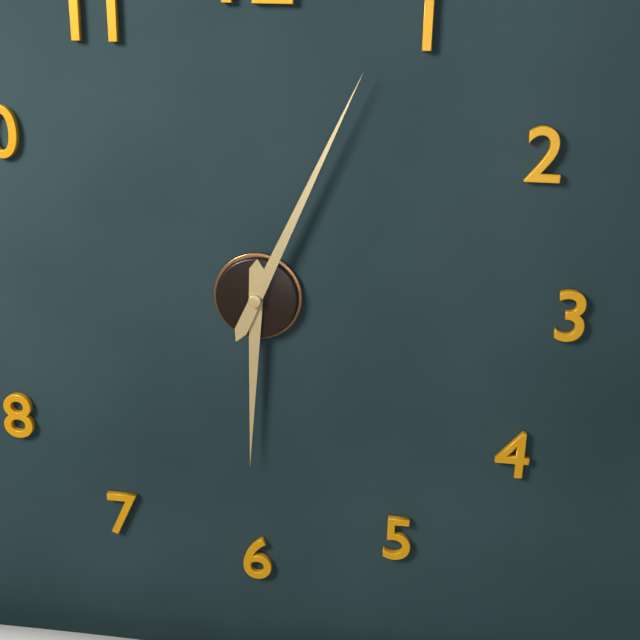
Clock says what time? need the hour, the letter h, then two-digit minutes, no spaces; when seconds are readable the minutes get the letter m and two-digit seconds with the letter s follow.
6h04
